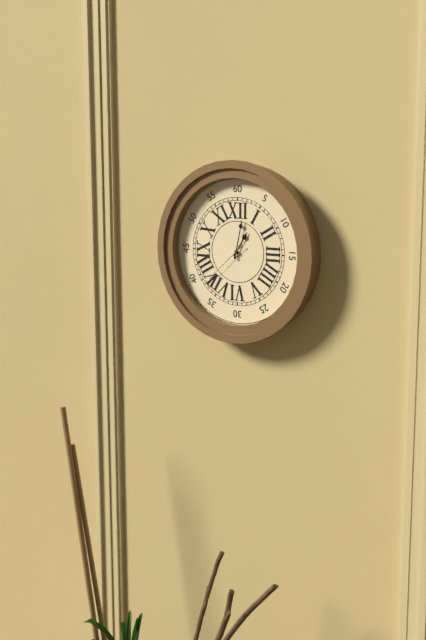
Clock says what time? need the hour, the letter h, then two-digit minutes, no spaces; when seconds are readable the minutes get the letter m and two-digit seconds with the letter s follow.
1h02
